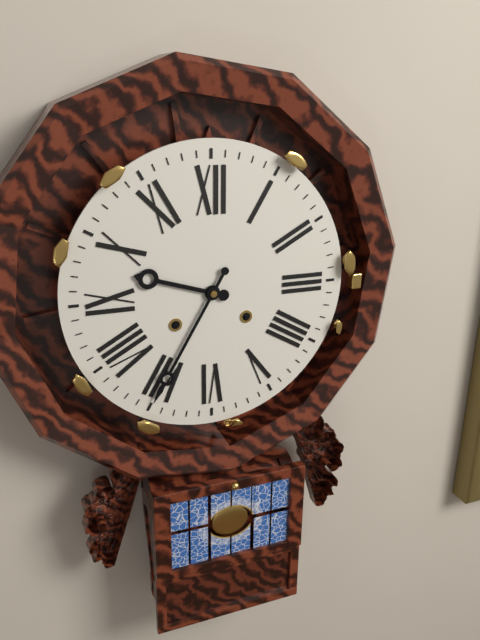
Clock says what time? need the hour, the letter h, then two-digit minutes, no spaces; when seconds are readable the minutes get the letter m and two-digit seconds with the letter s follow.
9h35
